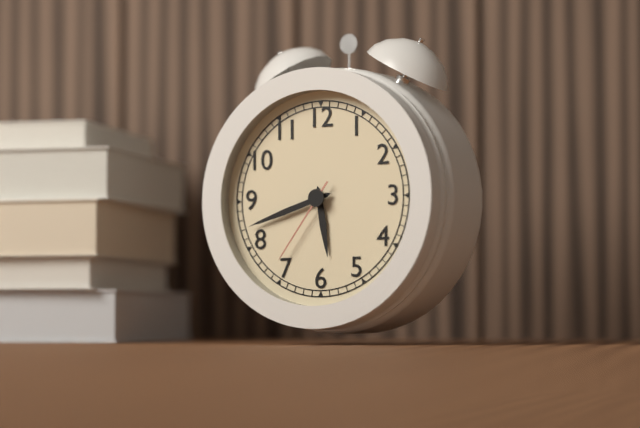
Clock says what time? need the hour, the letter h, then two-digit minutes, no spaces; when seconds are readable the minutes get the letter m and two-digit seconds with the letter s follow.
5h42m36s
